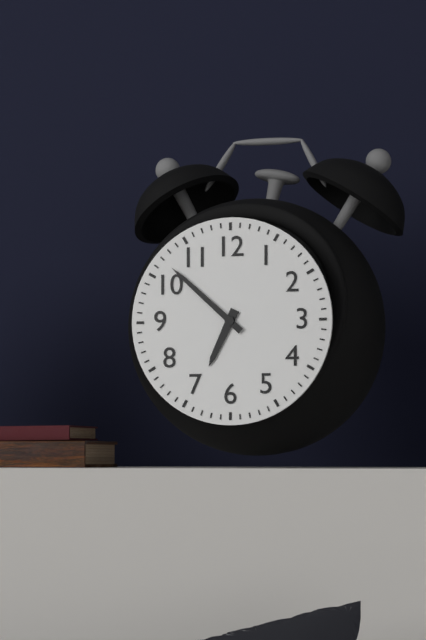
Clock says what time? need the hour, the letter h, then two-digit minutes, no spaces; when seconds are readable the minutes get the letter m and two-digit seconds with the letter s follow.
6h52
